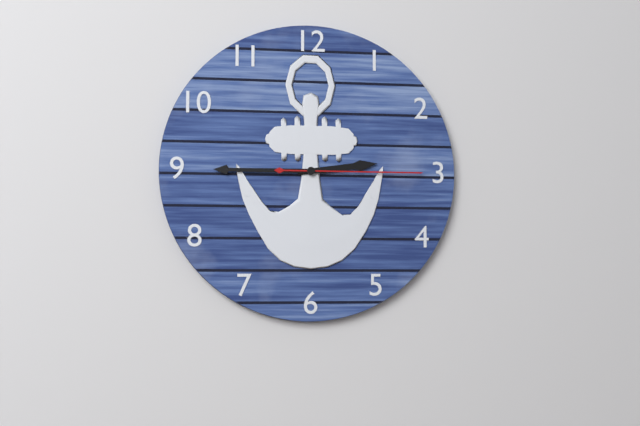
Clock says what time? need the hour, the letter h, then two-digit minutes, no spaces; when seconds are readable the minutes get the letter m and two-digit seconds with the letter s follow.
2h45m15s
